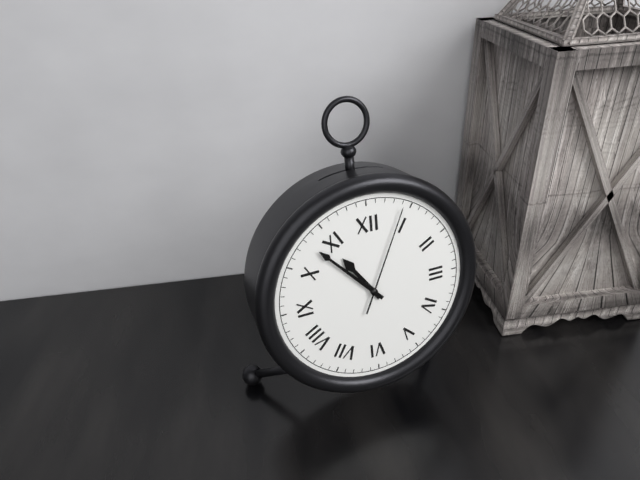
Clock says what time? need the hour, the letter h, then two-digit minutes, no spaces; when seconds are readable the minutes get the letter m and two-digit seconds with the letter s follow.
10h53m04s
